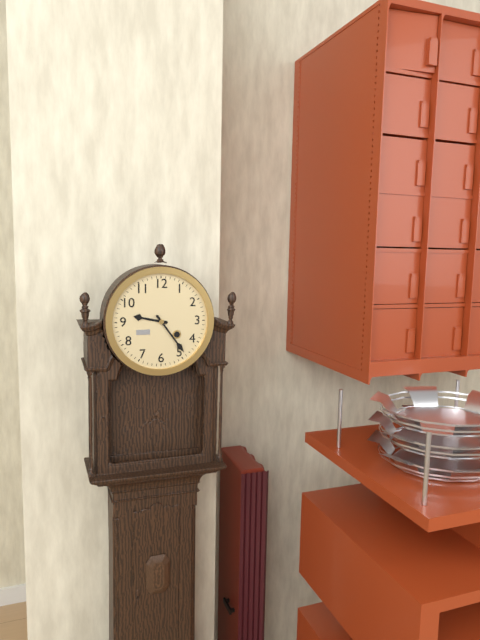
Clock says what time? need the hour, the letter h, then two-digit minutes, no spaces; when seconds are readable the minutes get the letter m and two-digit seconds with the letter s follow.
9h24
